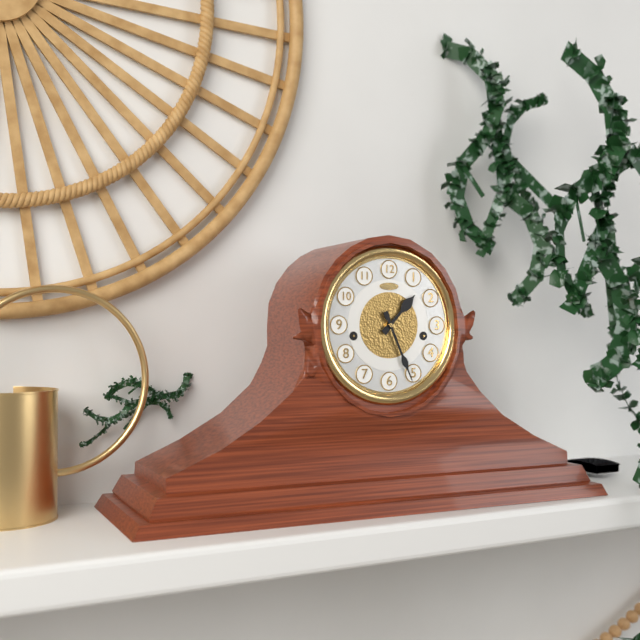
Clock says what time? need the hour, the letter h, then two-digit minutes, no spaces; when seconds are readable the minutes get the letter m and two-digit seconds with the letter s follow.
1h26
